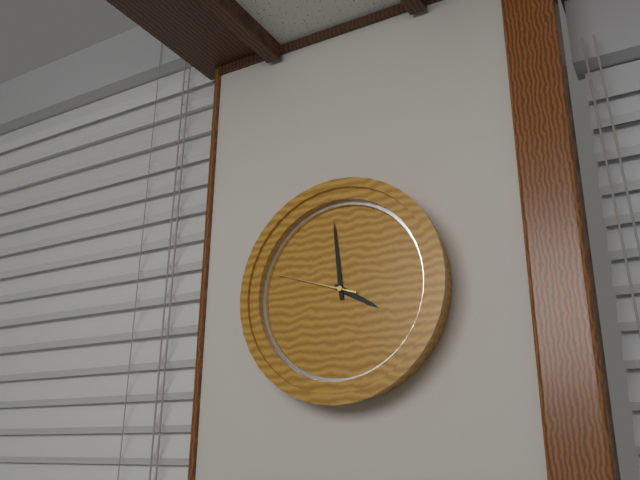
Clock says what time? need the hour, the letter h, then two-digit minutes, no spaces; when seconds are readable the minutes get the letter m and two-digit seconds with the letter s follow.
3h59m48s
